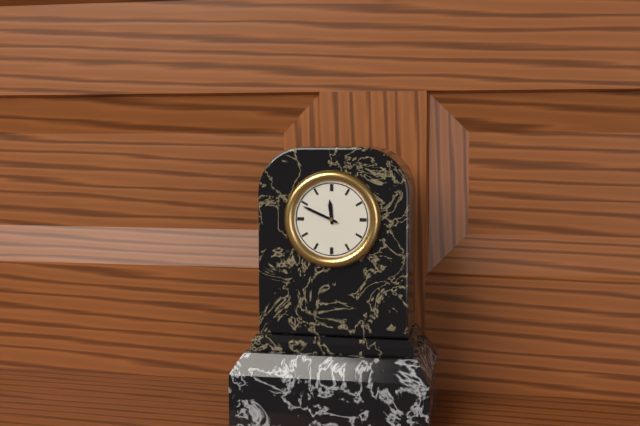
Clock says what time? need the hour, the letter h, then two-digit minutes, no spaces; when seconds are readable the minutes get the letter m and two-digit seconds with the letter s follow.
11h49
